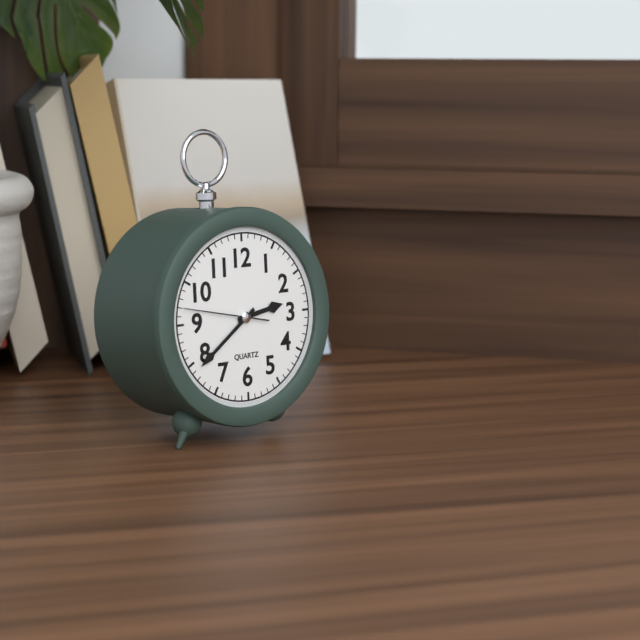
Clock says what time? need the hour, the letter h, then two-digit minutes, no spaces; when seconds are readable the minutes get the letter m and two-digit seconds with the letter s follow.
2h39m47s
